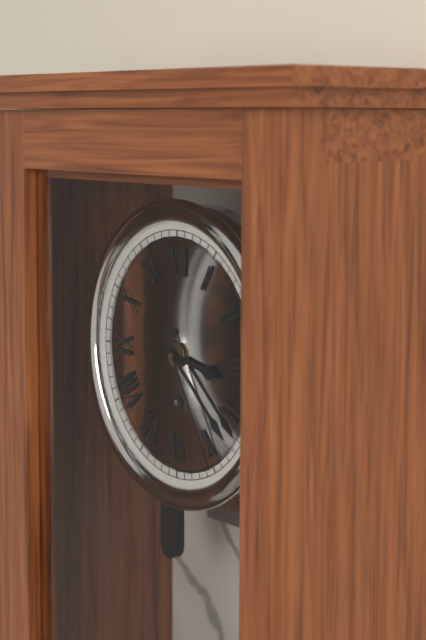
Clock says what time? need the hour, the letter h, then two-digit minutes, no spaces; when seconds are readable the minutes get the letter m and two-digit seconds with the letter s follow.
3h22m25s
